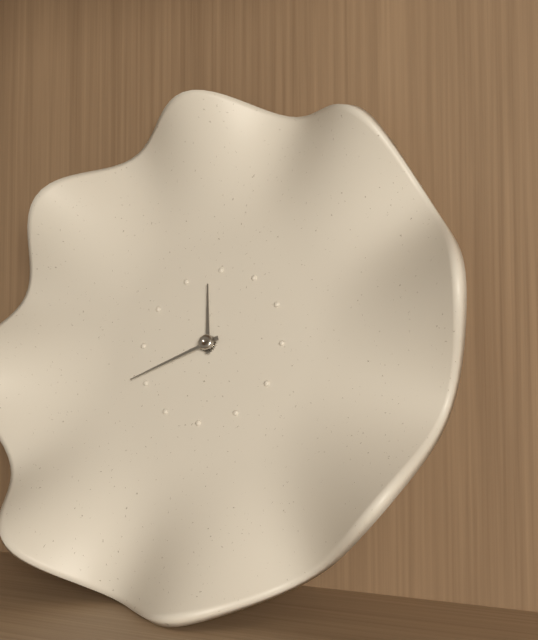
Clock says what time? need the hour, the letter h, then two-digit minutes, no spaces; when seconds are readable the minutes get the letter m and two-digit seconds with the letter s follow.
11h41
